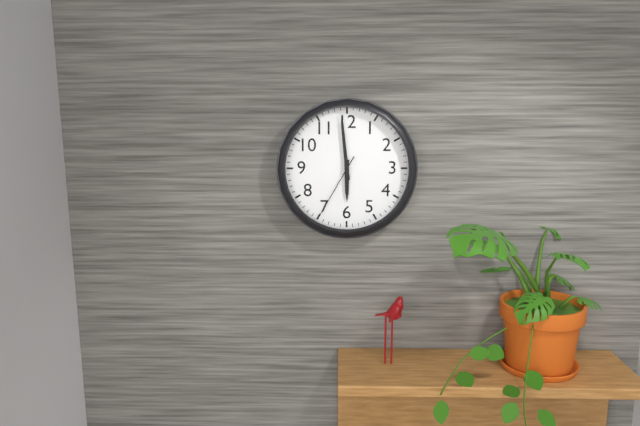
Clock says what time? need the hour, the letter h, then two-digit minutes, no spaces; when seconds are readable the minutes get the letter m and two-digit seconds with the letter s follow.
5h59m35s
